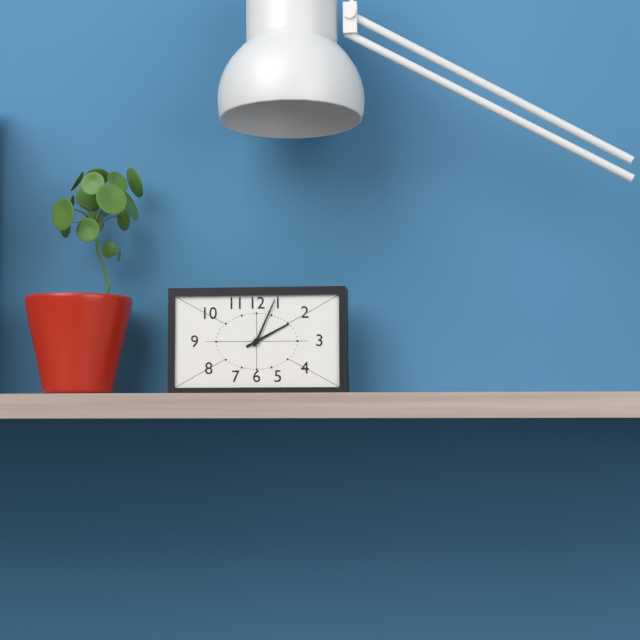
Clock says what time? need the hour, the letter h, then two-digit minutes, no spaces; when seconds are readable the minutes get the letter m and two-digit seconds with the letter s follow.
2h04
